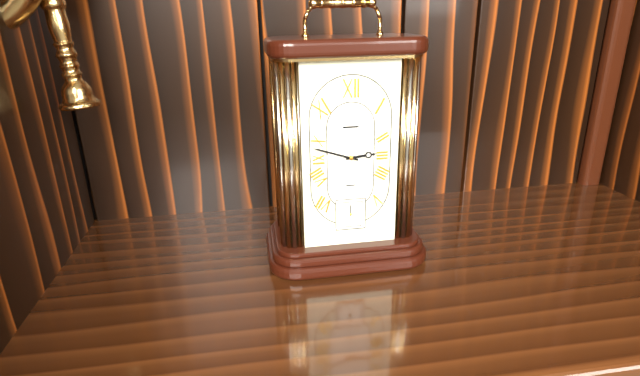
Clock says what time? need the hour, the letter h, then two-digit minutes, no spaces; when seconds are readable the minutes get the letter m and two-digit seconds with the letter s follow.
2h48
